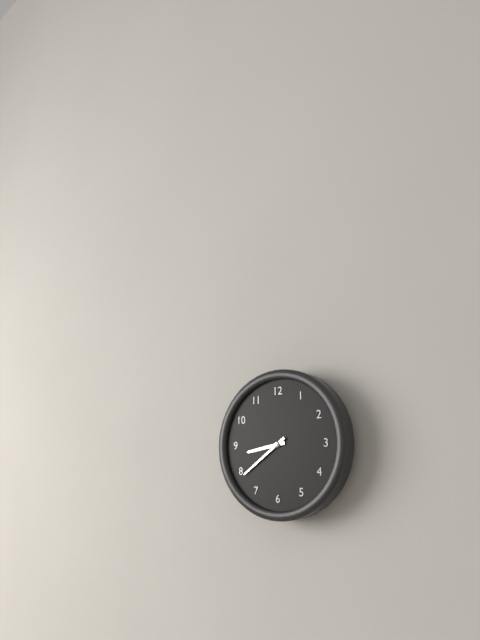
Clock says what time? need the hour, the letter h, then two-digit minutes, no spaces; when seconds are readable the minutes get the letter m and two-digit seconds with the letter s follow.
8h39
